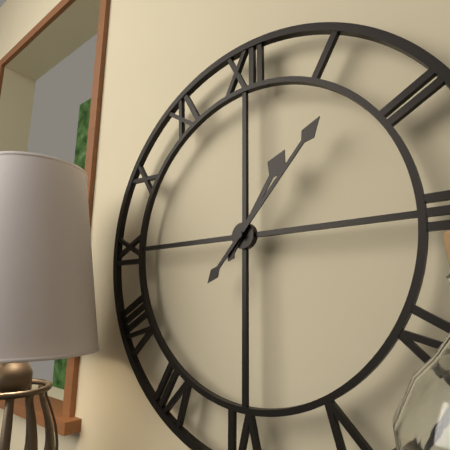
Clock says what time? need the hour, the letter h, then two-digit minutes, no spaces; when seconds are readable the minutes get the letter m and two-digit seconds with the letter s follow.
1h07
